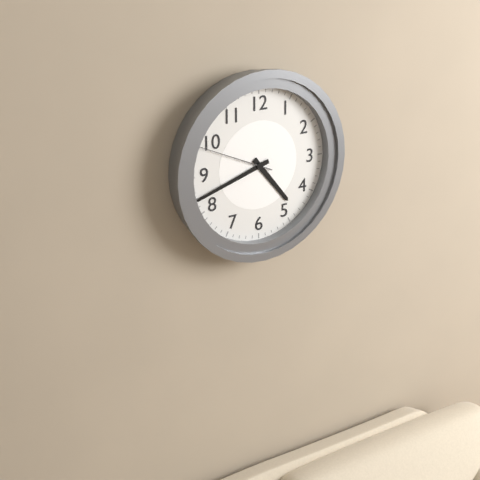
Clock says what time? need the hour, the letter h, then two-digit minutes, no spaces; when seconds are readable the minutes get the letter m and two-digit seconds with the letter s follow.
4h42m49s
